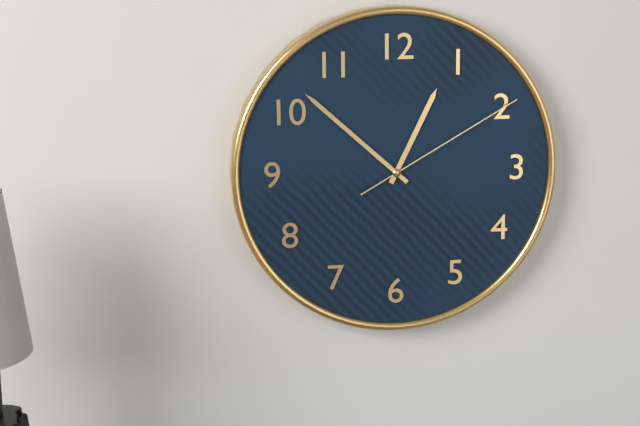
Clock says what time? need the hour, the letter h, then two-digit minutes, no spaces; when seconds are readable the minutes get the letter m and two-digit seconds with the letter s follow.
12h52m10s
